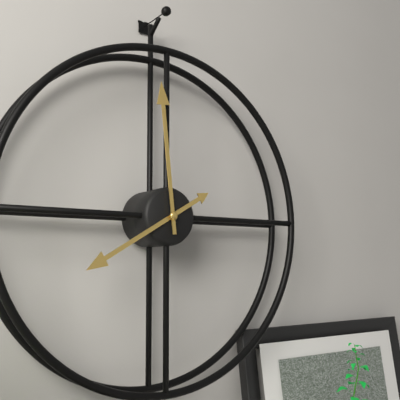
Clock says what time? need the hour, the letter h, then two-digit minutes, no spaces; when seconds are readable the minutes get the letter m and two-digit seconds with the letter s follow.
7h59
